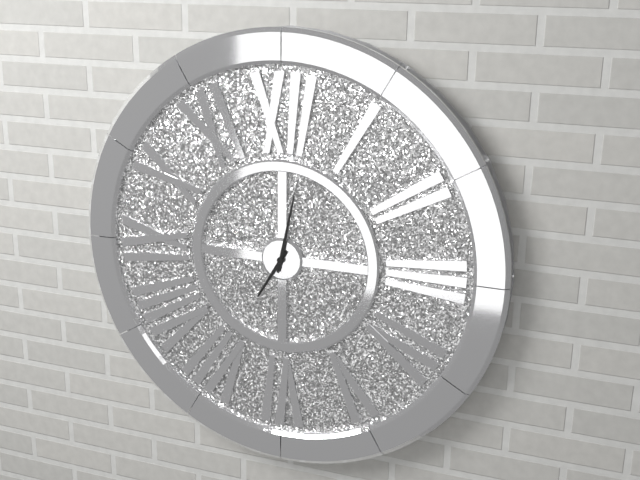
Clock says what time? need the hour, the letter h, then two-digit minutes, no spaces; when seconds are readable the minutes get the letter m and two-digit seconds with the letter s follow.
7h02
